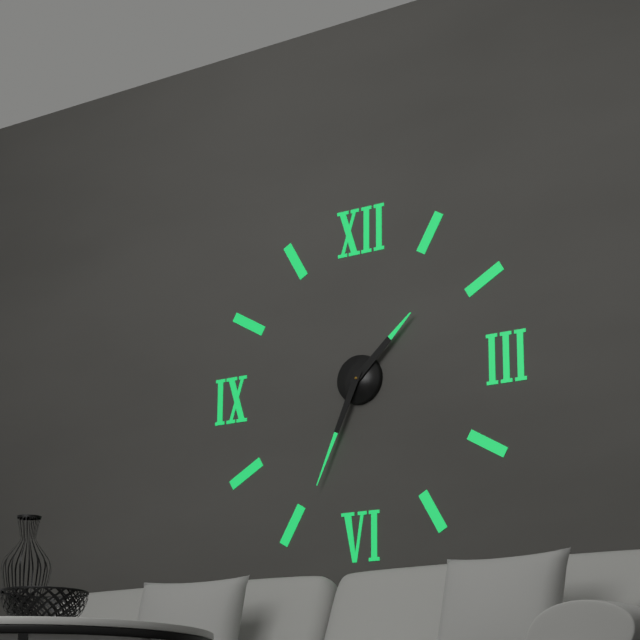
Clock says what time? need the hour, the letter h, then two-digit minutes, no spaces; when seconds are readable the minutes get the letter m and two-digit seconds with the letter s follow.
1h34
